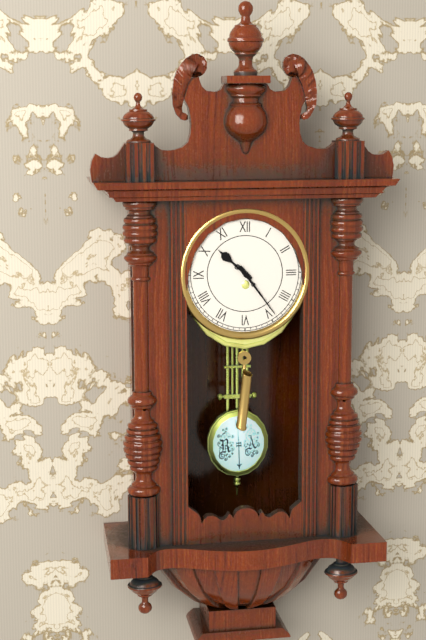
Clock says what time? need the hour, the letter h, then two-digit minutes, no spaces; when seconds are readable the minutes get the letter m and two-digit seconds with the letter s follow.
10h24
